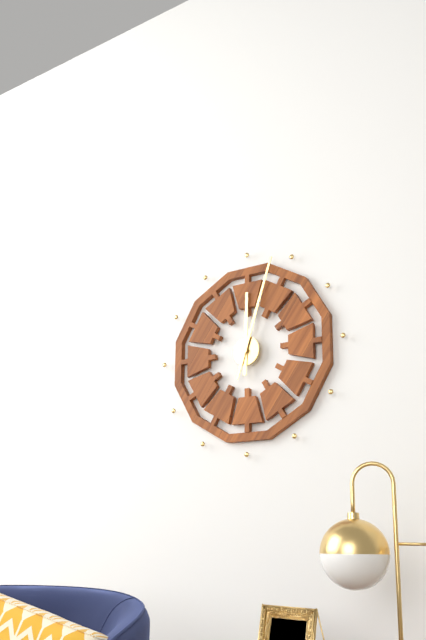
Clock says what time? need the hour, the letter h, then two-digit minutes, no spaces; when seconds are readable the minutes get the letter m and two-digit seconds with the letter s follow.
12h03
